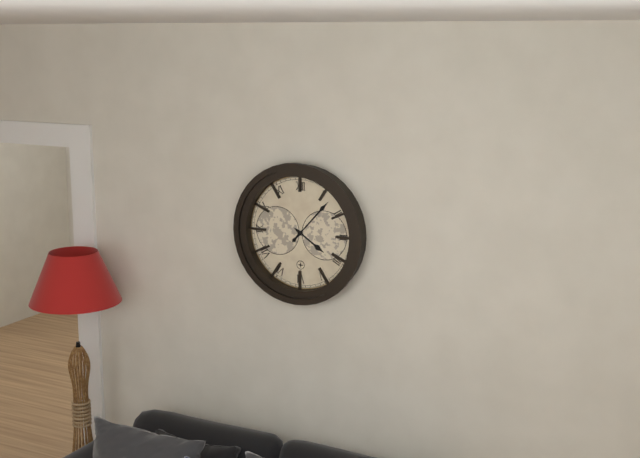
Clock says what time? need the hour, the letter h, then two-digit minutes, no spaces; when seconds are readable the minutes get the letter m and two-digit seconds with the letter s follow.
4h07
